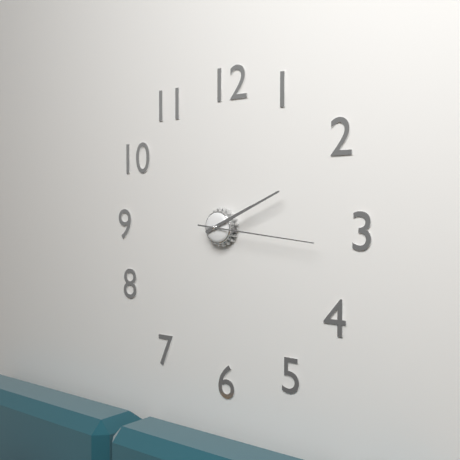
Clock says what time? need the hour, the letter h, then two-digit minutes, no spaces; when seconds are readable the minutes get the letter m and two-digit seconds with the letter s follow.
2h11m16s
